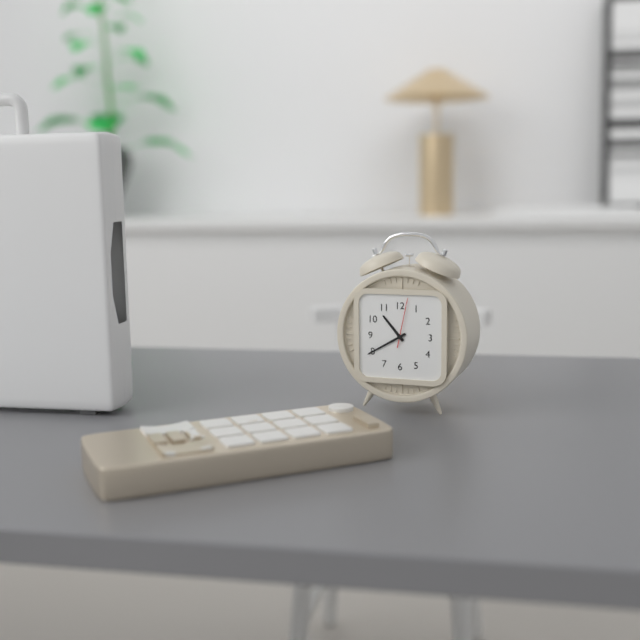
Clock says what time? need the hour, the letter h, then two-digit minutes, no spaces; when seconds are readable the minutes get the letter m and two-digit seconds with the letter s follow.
10h40
